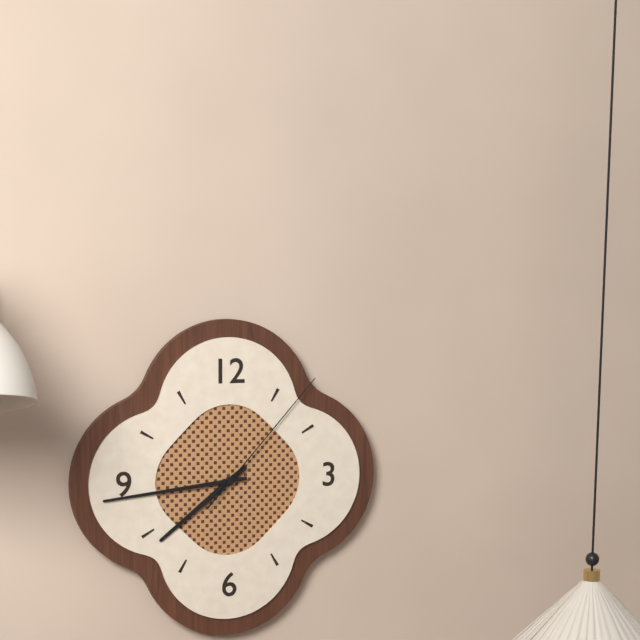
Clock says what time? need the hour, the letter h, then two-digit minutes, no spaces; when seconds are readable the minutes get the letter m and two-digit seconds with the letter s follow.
7h44m07s
